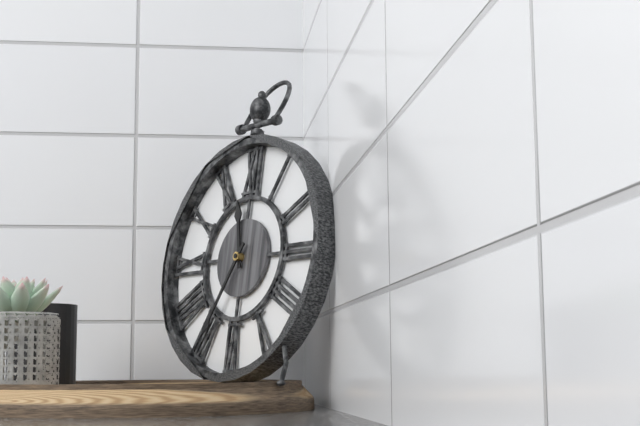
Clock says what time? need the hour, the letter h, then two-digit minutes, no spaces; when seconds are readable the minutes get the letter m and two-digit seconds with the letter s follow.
11h35
